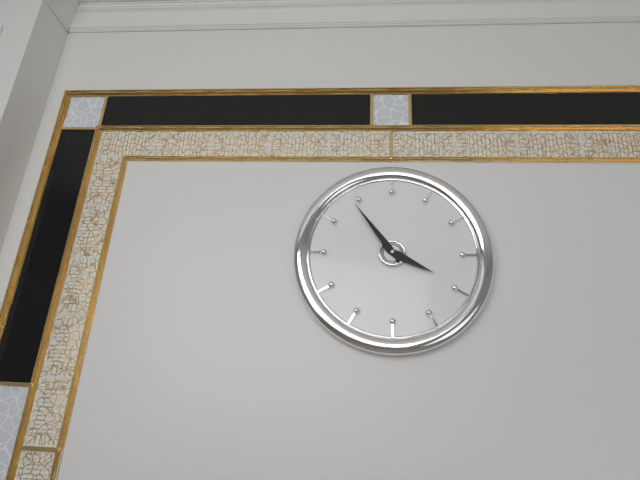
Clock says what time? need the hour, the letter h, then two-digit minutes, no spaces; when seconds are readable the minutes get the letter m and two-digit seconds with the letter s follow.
3h54
